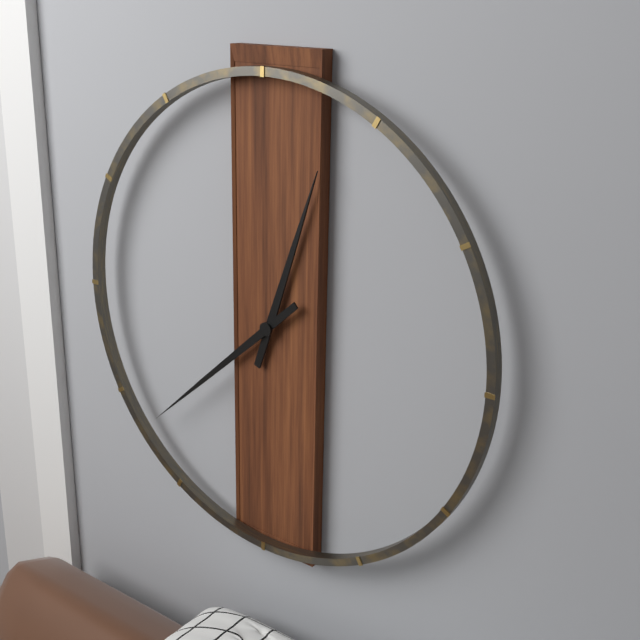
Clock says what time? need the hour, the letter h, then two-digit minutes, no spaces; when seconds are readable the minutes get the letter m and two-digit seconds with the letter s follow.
12h38
